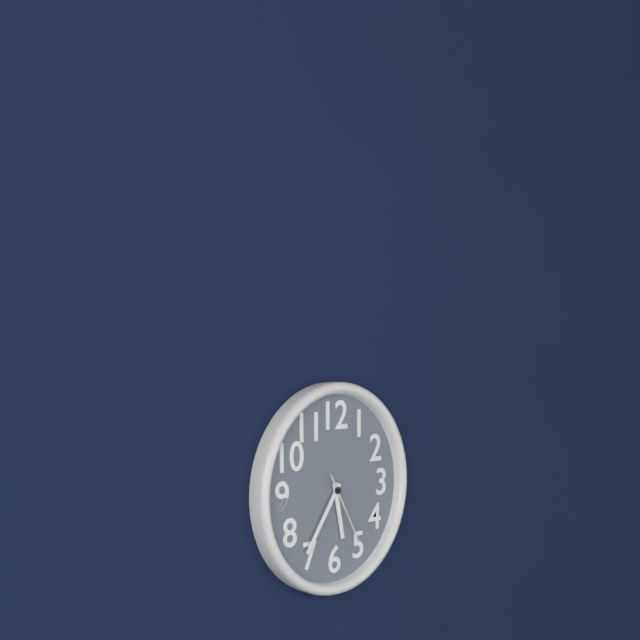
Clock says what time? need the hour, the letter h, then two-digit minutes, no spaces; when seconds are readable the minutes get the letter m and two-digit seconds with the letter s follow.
5h36m25s
